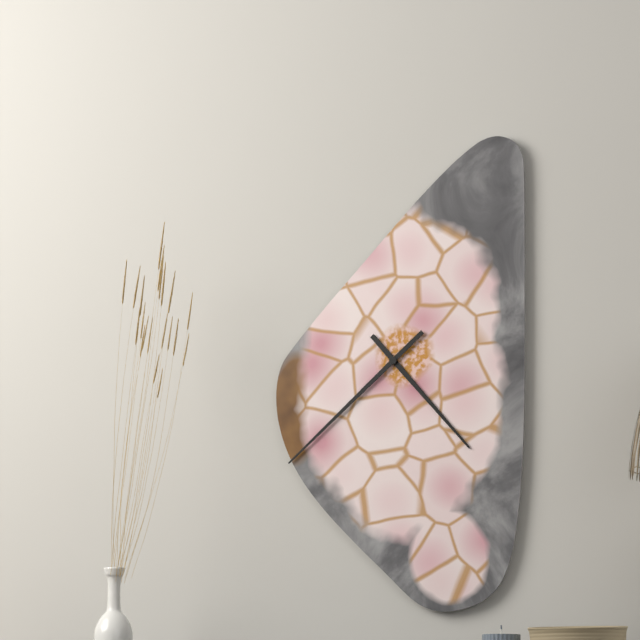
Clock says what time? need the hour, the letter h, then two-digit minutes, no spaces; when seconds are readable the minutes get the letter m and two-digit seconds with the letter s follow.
4h38
